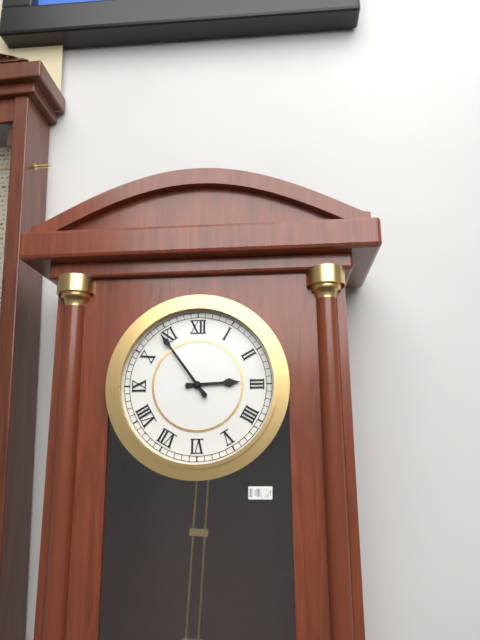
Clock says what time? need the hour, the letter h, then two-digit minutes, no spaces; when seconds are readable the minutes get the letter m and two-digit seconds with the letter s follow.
2h54
